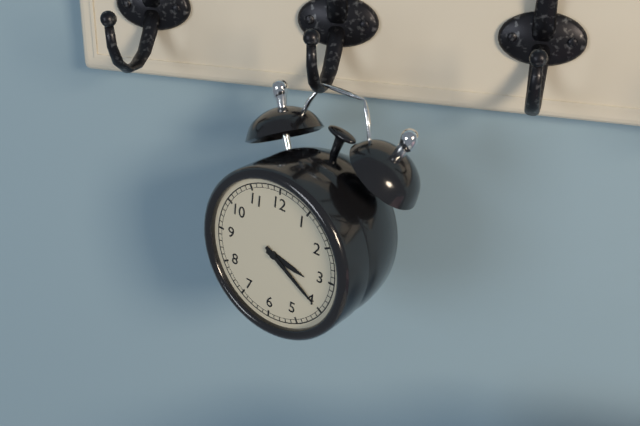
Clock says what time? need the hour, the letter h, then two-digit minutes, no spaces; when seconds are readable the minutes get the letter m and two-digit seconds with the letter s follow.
3h20
